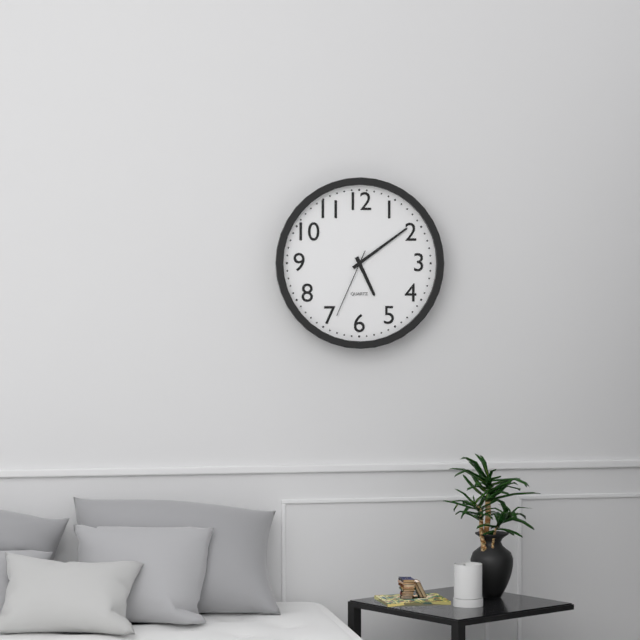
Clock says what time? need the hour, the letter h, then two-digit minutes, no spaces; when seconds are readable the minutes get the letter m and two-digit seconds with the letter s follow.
5h09m34s
